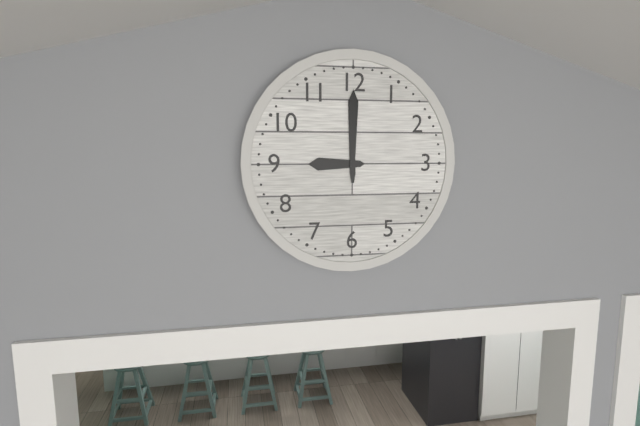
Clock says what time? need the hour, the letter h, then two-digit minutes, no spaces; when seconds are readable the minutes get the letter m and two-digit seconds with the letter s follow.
9h00
